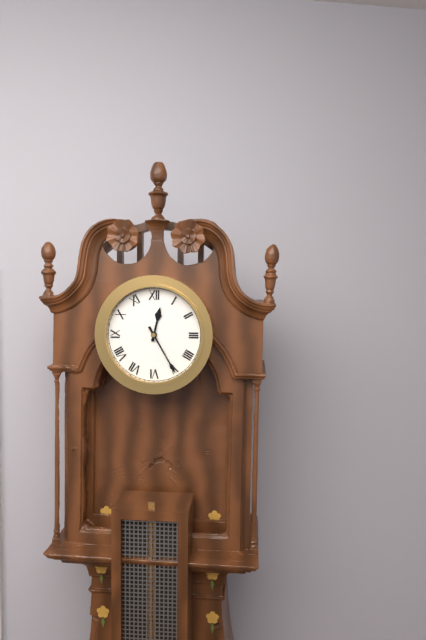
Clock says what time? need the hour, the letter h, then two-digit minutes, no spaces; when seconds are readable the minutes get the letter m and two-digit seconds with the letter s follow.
12h25
